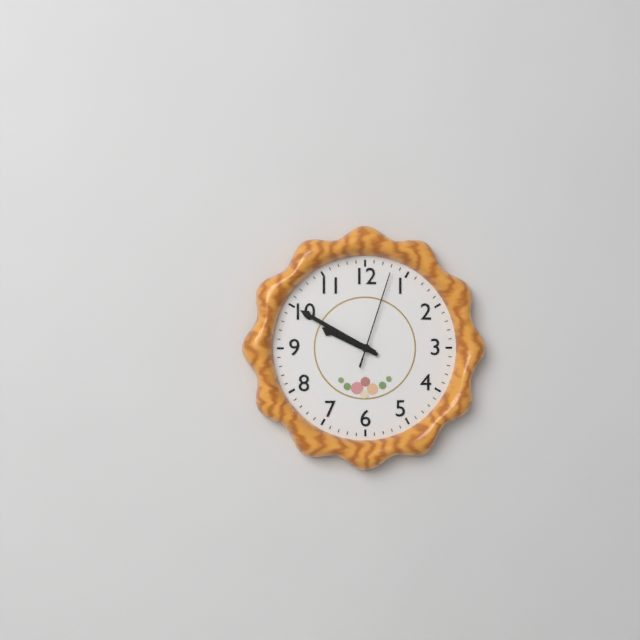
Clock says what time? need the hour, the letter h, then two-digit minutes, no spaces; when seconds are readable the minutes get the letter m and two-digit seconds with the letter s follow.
9h50m03s
